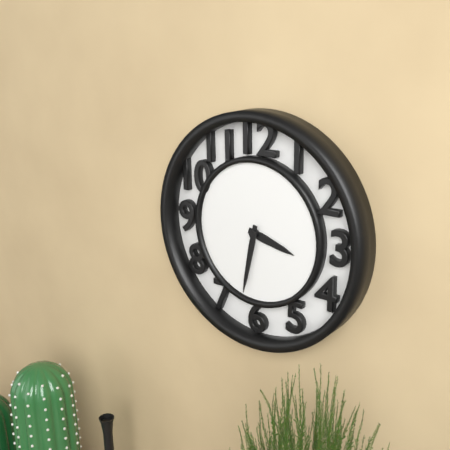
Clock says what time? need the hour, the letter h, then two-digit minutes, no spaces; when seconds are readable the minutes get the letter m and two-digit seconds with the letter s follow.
3h32
